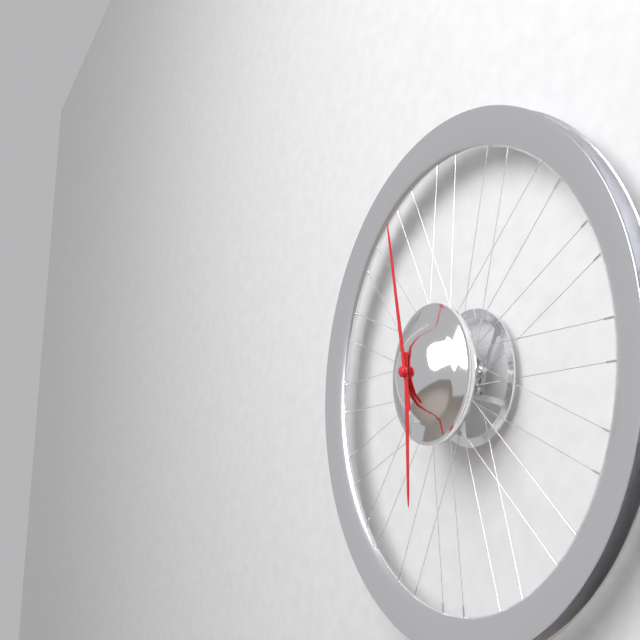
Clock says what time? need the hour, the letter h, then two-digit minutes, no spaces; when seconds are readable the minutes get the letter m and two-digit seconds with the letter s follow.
5h58
